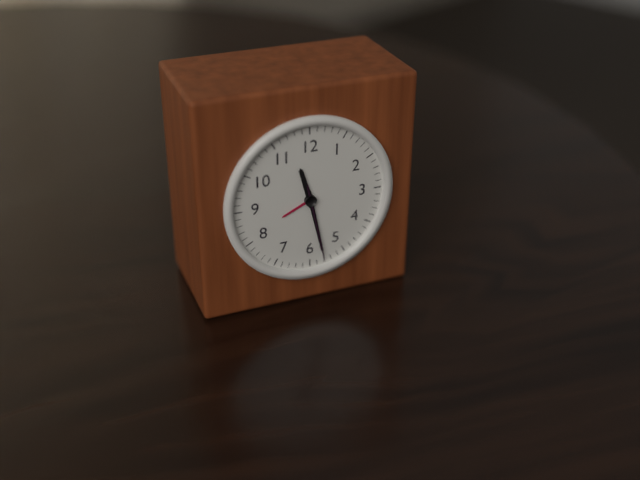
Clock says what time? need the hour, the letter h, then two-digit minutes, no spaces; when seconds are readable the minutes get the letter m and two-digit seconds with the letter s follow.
11h28m28s
